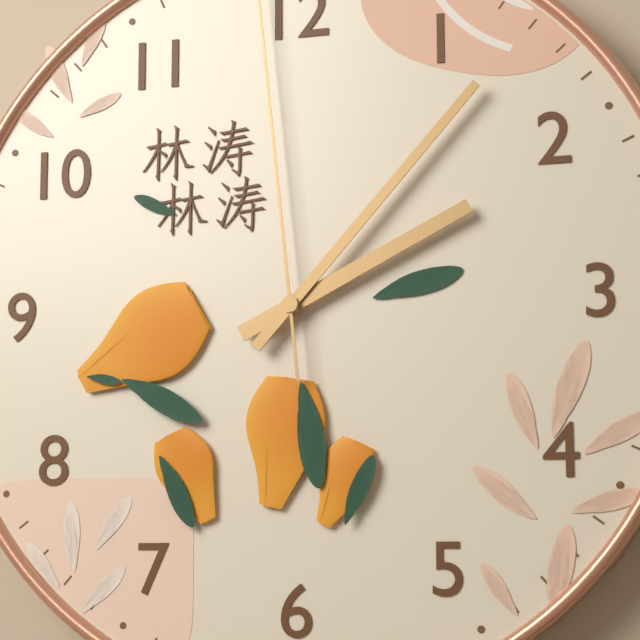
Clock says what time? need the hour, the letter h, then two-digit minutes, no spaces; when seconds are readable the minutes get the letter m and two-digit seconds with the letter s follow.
2h07
